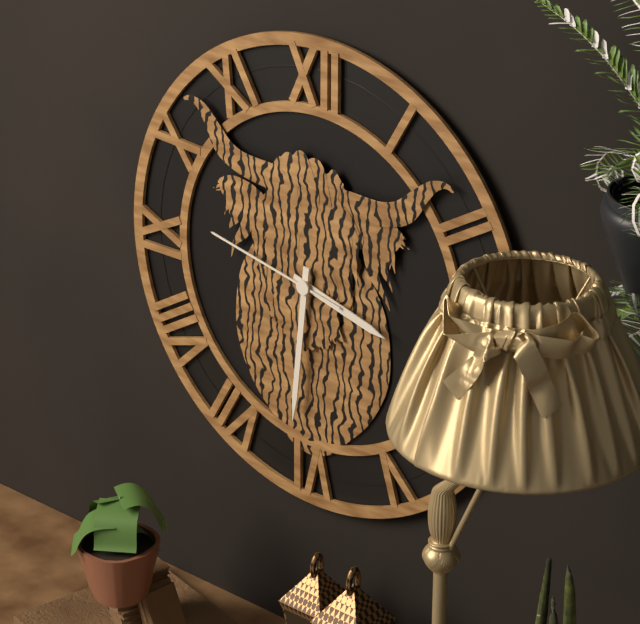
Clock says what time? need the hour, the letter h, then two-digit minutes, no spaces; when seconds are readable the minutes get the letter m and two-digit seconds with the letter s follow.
3h31m47s
